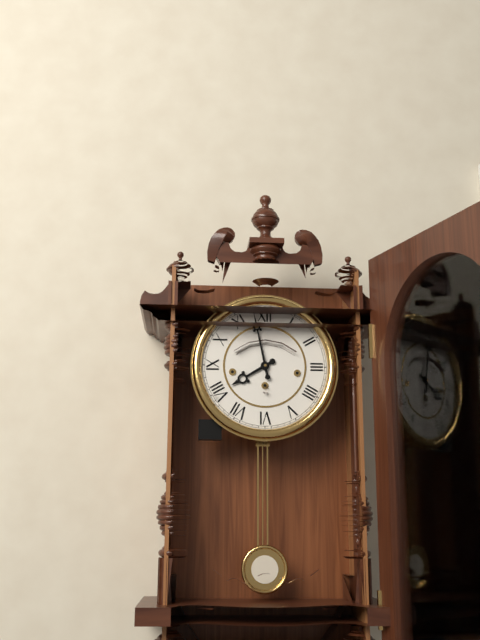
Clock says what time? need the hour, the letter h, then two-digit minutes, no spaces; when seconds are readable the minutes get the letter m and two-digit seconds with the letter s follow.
7h58
